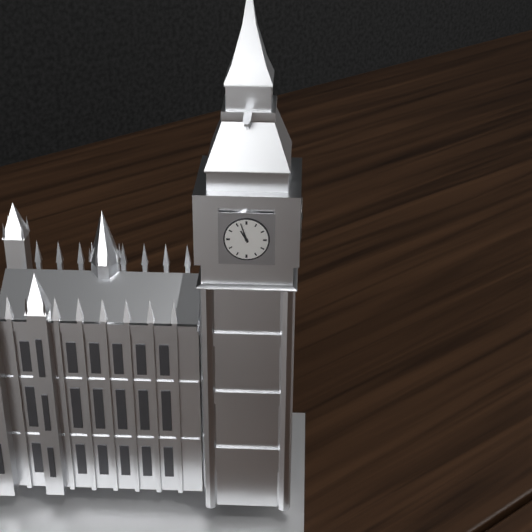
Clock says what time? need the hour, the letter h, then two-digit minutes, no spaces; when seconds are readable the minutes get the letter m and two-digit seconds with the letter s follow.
10h57
